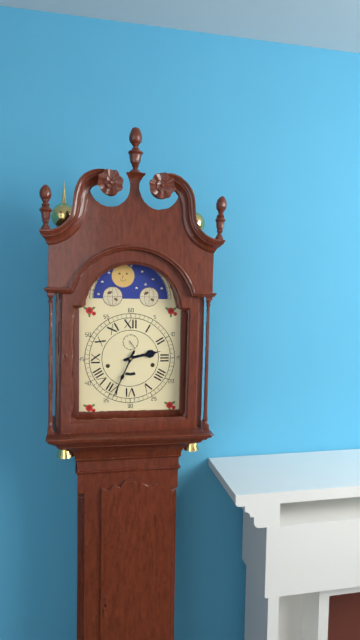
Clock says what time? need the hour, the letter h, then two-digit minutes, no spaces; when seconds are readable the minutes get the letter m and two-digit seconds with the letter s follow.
2h34
